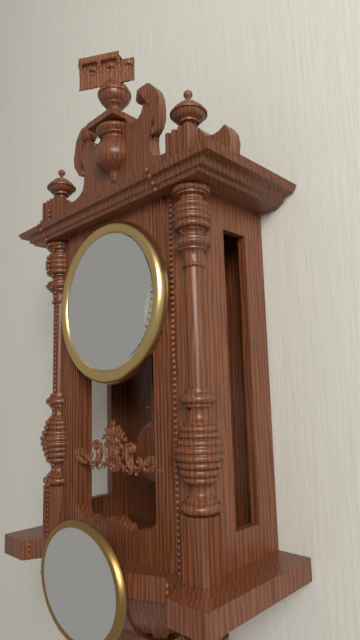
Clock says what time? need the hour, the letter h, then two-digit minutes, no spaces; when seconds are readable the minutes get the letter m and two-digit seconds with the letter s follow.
11h31
